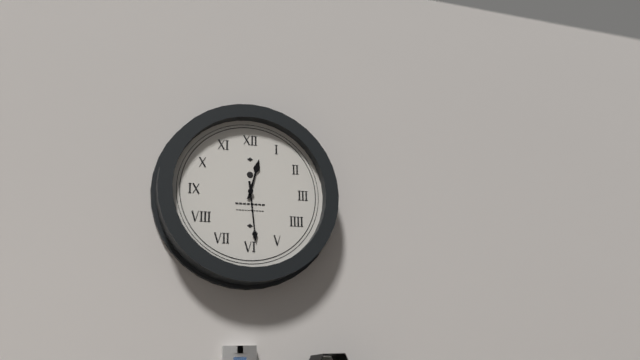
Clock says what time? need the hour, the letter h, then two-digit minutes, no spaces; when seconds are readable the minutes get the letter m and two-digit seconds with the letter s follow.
12h29
